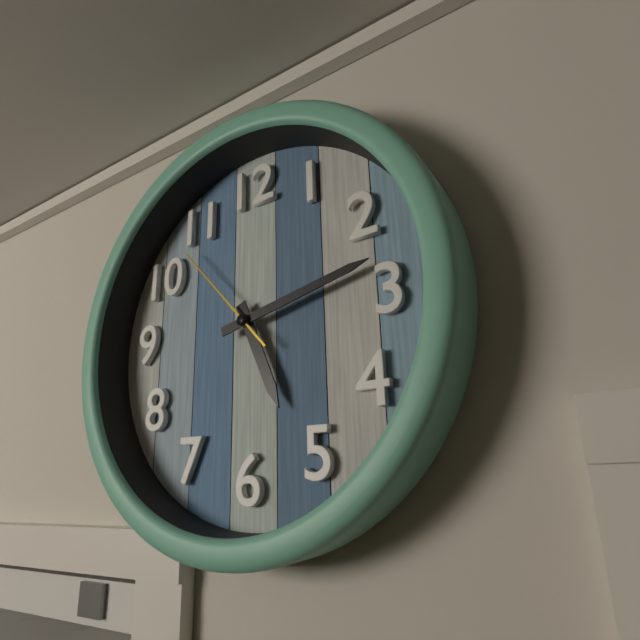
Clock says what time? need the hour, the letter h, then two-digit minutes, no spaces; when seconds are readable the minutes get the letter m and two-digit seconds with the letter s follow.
5h13m53s
